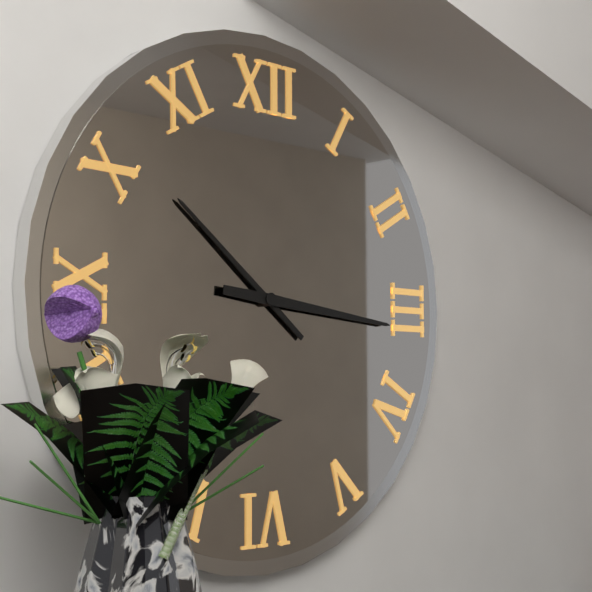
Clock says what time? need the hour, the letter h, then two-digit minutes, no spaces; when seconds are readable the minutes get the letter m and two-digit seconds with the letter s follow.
10h16
